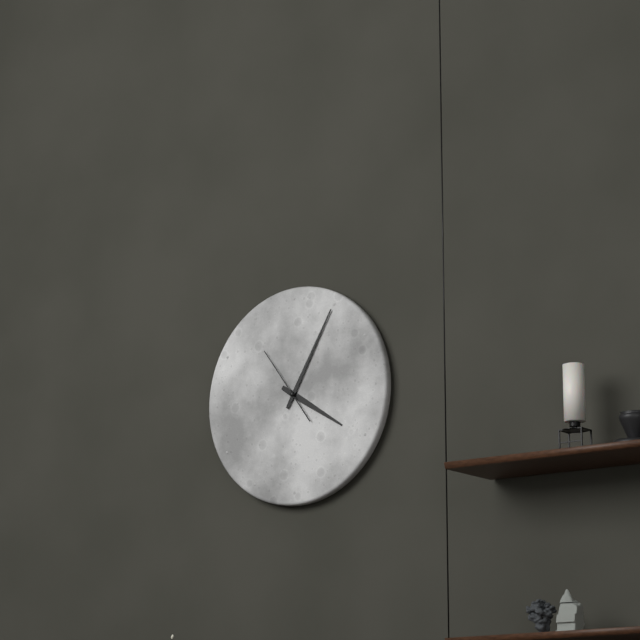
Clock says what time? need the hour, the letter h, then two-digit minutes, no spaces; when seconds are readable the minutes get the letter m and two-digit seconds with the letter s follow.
4h05m54s
